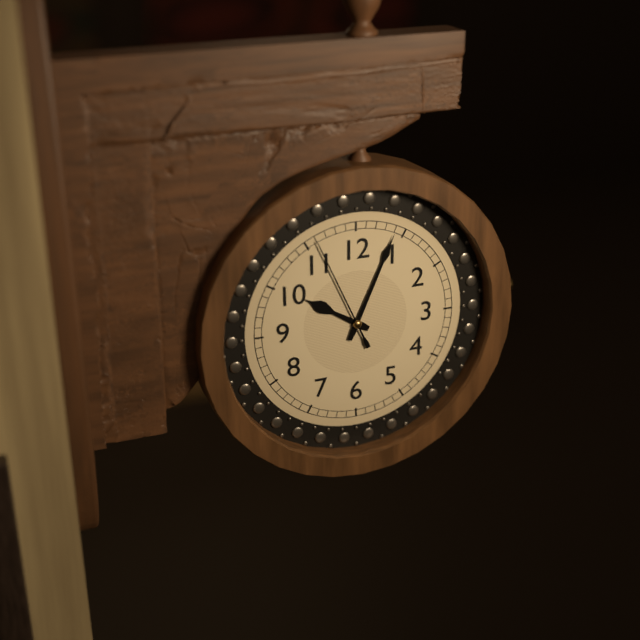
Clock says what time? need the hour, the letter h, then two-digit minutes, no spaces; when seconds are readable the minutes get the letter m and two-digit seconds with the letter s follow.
10h04m56s
